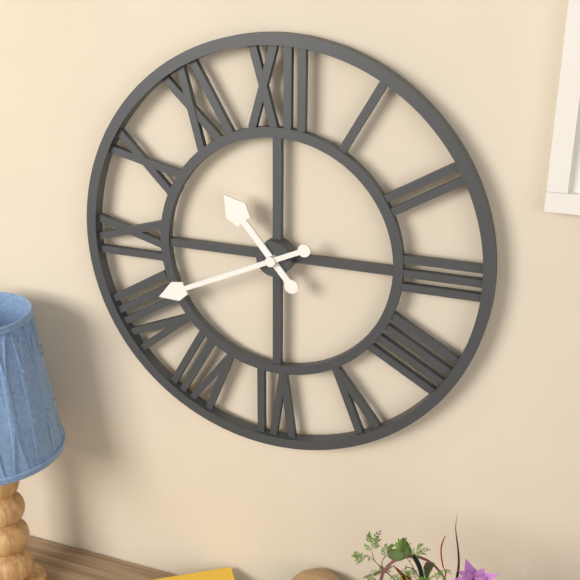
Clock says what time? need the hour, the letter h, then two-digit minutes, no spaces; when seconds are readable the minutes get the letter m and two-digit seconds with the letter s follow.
10h41
